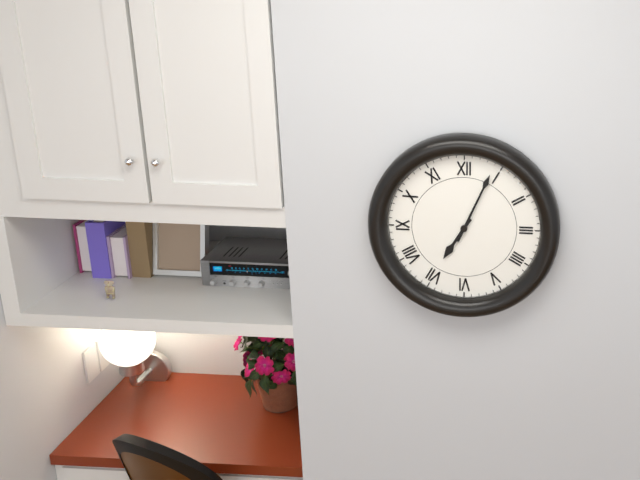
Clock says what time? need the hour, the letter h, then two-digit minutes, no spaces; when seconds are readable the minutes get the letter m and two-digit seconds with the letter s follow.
7h04
